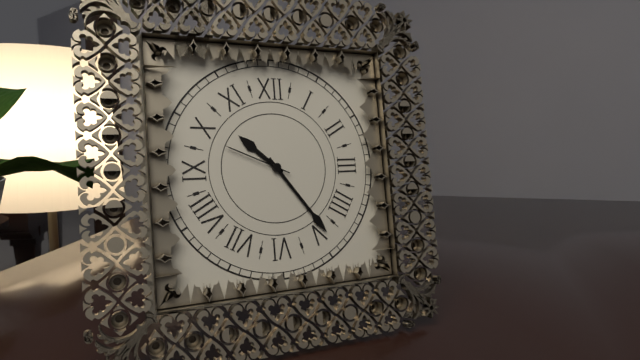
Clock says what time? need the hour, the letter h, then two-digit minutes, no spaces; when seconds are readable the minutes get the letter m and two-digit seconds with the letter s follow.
10h24m49s
